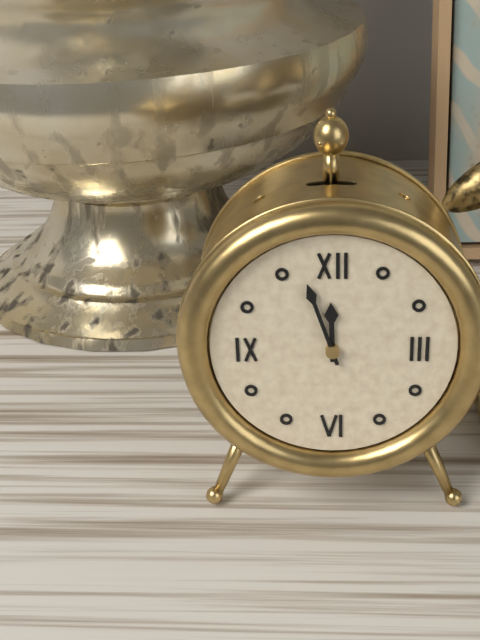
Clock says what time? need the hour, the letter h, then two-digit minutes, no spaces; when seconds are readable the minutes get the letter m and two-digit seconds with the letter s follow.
11h57
